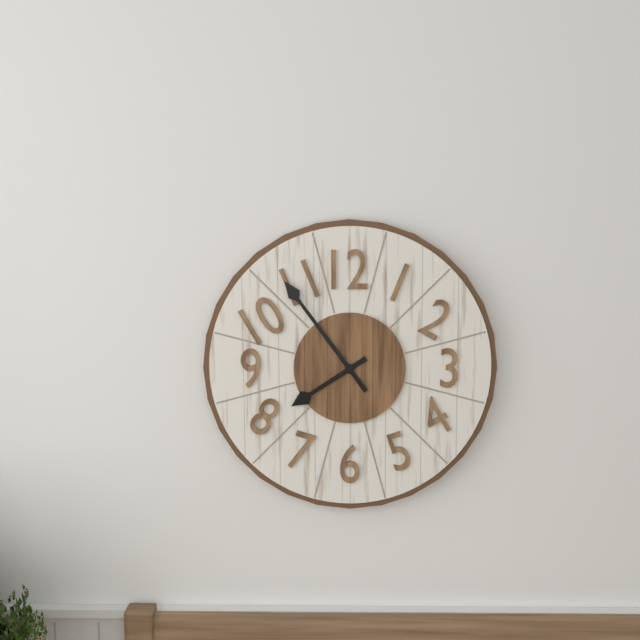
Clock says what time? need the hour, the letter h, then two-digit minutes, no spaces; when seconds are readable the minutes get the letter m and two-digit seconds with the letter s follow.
7h54
